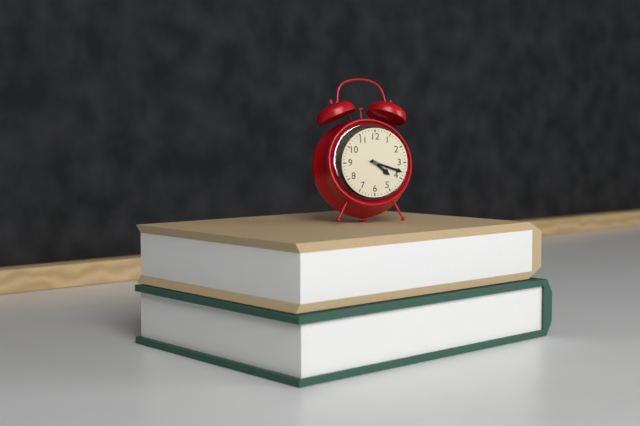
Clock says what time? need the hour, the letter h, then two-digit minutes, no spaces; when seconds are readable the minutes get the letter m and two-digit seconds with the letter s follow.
4h18
